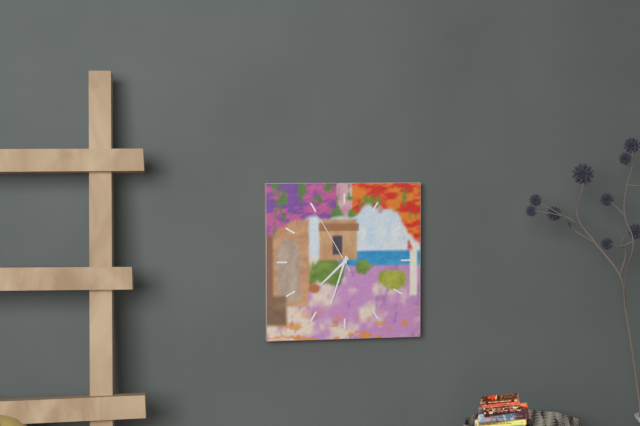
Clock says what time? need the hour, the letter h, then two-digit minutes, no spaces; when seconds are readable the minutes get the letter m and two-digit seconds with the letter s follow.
7h33m55s
